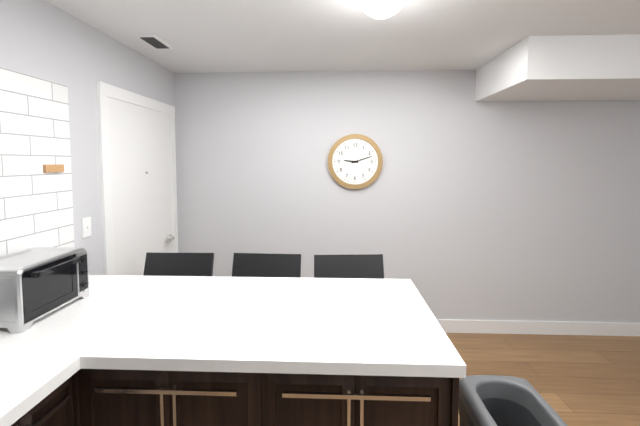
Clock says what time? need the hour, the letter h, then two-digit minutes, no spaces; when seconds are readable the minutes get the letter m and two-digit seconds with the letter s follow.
9h12
